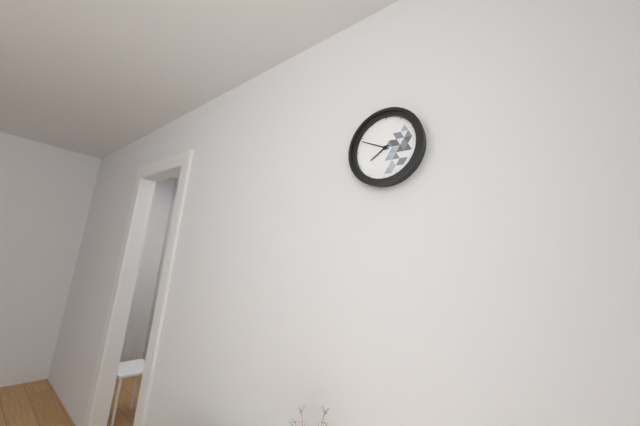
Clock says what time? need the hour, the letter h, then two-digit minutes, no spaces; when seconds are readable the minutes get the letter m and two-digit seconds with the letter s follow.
7h49
